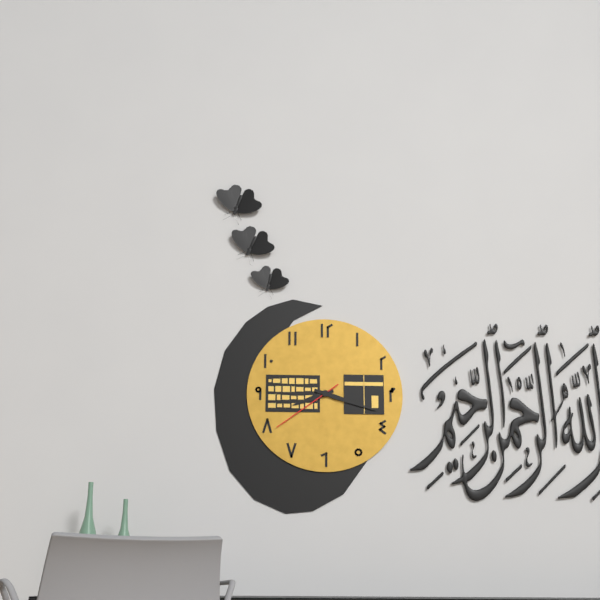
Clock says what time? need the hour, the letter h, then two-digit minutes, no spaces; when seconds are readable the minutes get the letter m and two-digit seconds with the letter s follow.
8h18m39s
